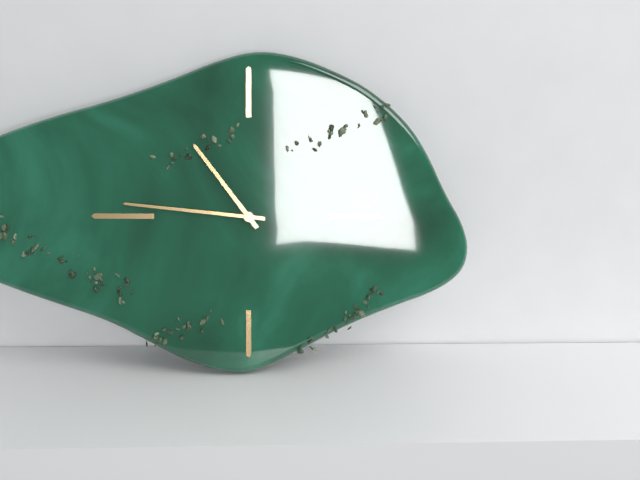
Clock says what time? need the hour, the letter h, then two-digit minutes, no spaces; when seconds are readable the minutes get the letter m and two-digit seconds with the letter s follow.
10h46
